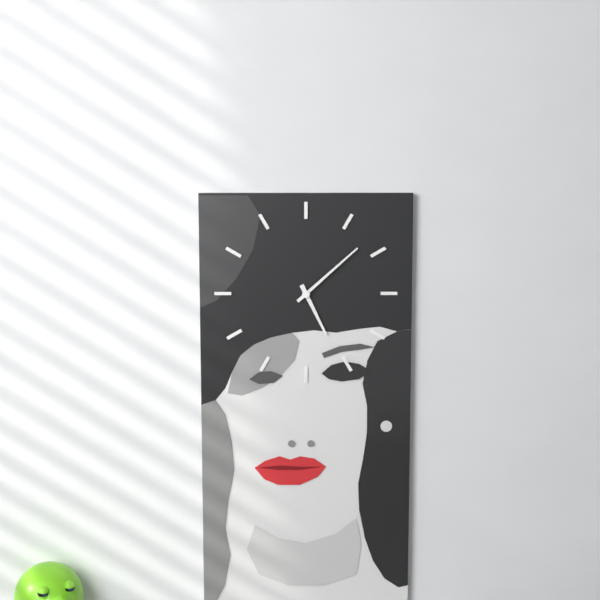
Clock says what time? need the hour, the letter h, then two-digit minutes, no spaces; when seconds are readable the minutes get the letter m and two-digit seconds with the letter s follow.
5h08
